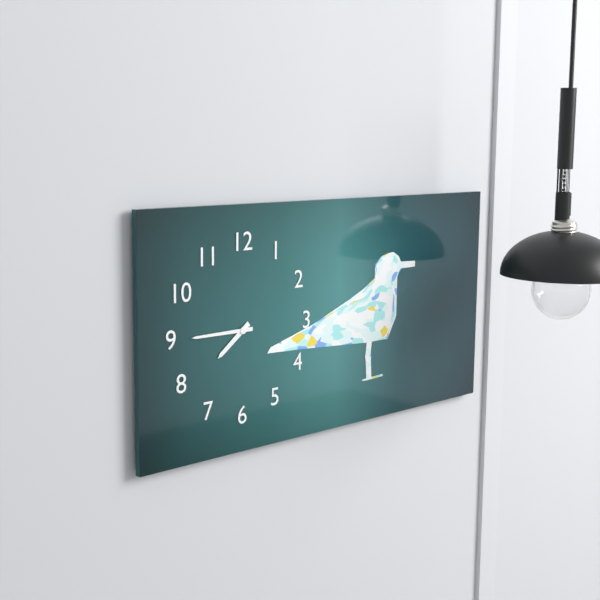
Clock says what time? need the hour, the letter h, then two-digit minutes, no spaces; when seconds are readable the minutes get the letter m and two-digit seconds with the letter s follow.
7h45
